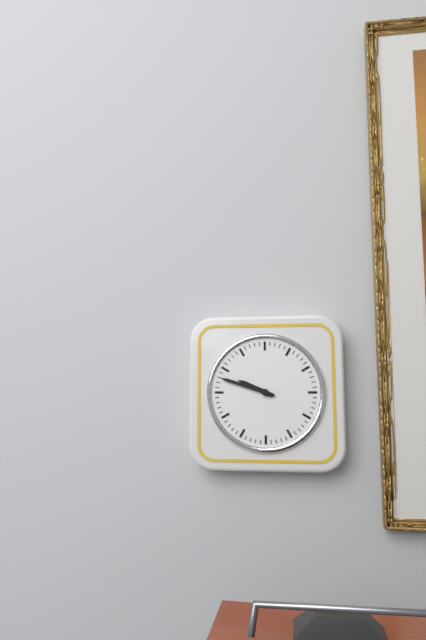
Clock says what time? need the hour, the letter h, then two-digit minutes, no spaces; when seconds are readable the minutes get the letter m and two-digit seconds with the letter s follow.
9h48
